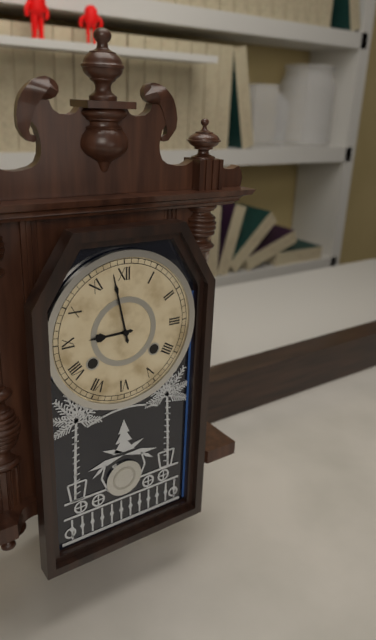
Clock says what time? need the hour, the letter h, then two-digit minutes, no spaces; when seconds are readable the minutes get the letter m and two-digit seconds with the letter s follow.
8h58
